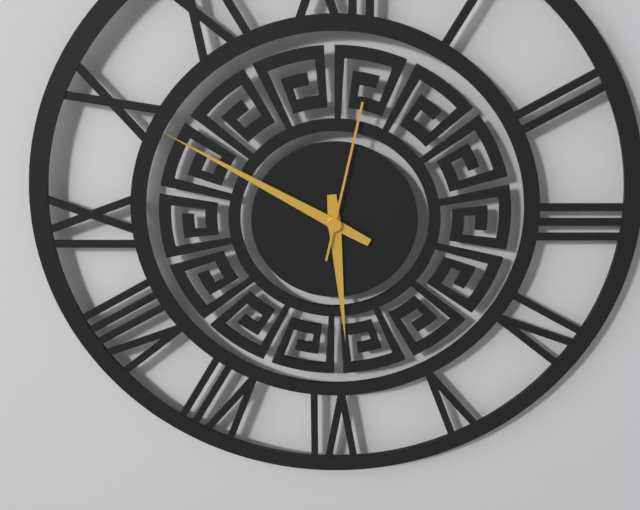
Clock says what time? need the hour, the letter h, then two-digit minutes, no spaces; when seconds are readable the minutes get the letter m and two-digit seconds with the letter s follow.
5h50m02s
